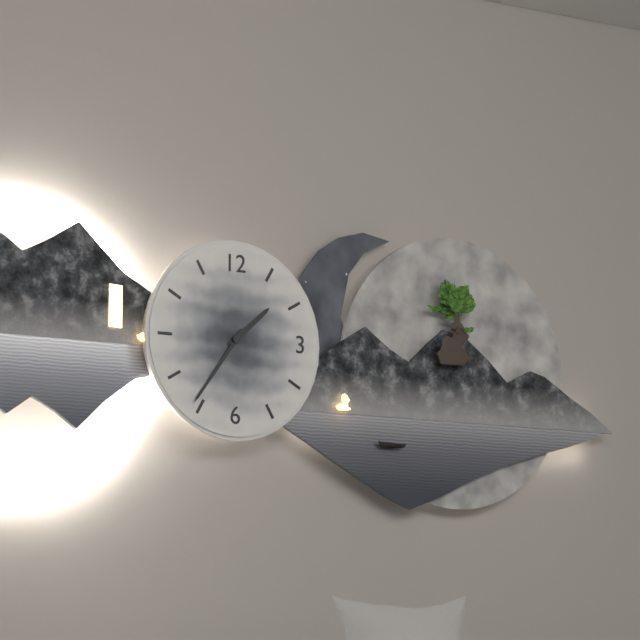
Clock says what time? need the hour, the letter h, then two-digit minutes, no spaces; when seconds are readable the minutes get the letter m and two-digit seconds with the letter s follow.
1h36
